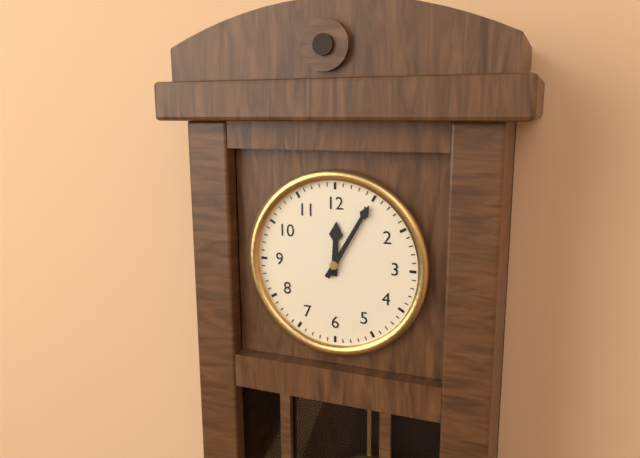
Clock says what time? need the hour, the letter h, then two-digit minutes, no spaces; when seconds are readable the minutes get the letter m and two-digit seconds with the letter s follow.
12h05
